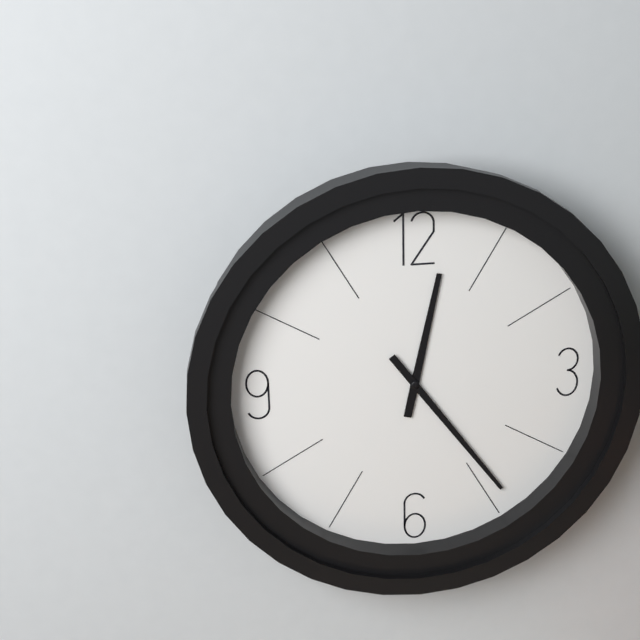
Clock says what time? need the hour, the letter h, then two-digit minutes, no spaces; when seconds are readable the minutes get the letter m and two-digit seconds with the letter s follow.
12h24
